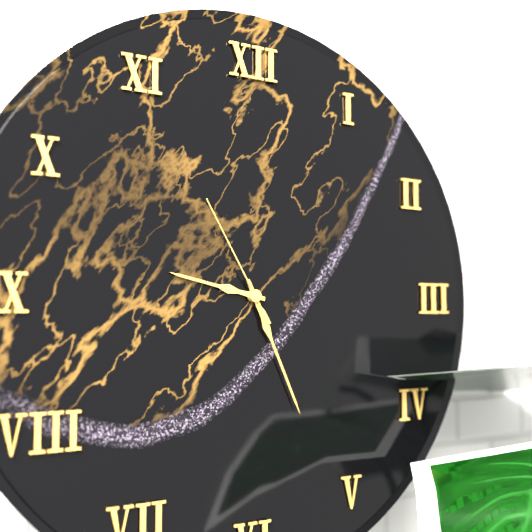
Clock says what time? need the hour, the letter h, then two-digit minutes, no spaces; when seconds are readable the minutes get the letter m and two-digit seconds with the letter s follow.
9h26m55s
